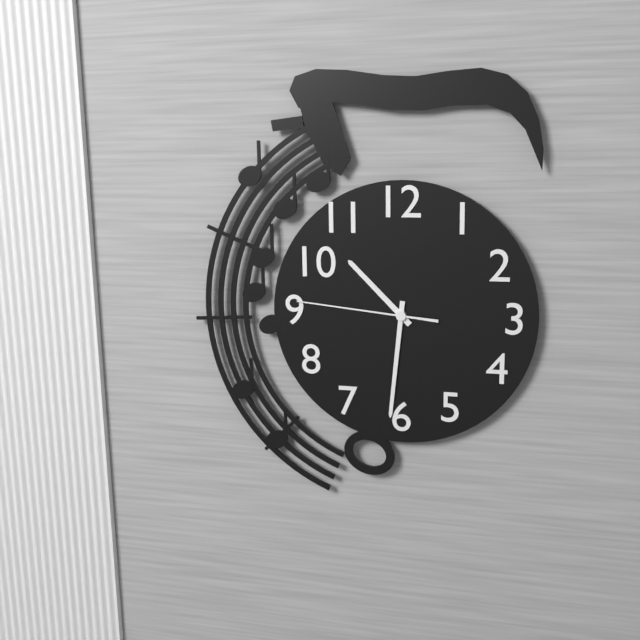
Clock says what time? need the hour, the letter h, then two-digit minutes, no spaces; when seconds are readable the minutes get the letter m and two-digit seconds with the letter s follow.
10h31m46s
